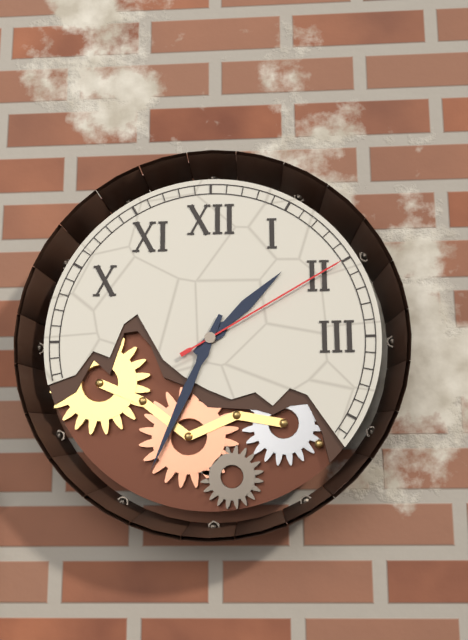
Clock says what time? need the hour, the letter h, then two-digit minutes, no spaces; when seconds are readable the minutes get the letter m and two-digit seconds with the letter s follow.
1h34m10s
